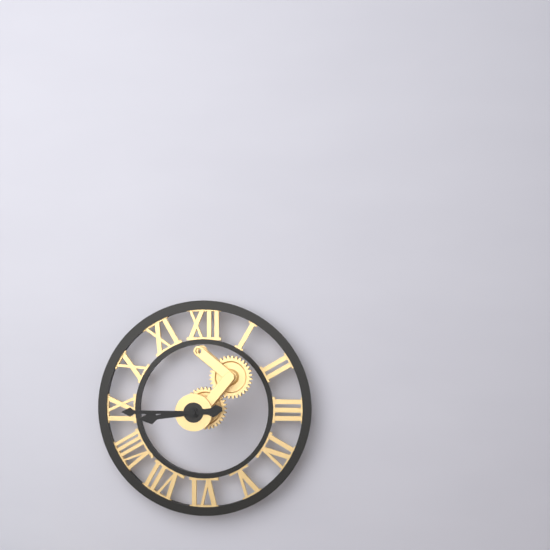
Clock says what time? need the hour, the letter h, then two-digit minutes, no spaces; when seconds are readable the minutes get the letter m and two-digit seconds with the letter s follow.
8h45
